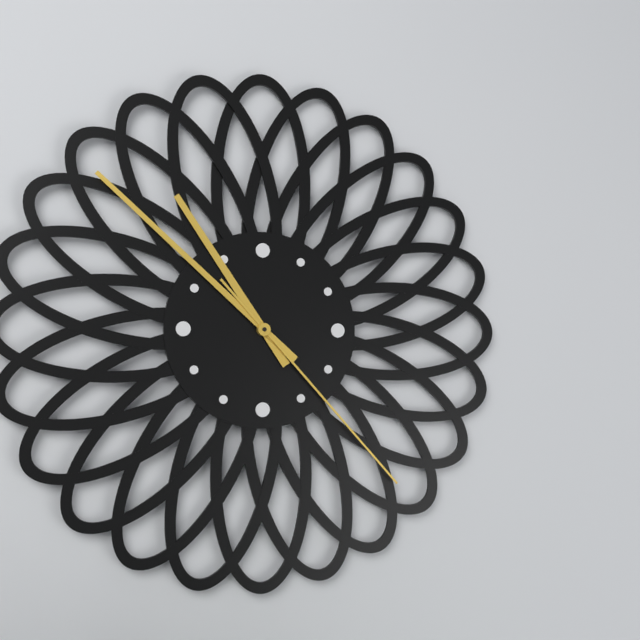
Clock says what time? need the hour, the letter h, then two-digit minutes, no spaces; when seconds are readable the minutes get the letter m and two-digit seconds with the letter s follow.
10h52m23s
